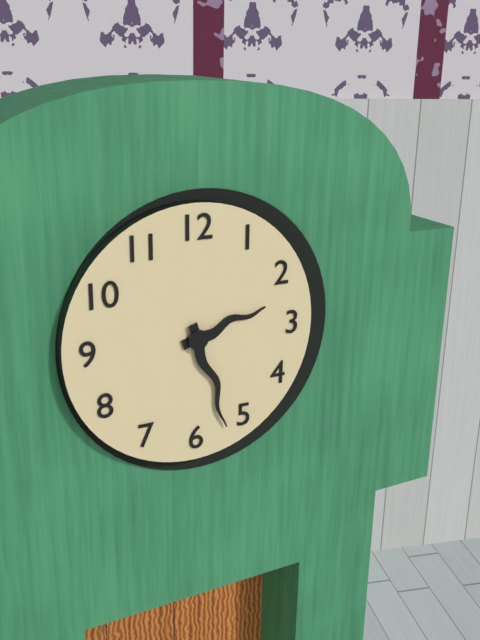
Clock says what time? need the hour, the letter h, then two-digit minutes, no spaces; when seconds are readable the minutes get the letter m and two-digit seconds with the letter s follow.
2h27
